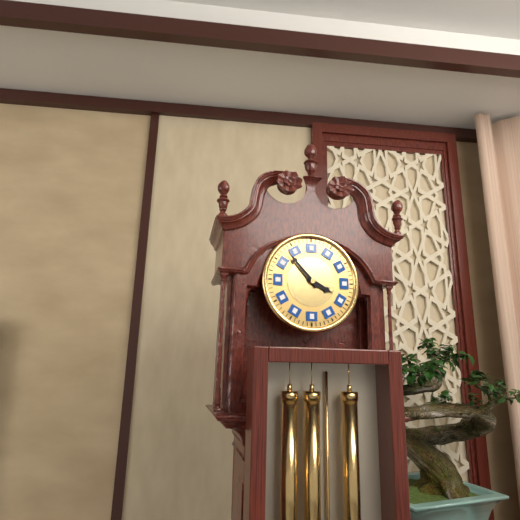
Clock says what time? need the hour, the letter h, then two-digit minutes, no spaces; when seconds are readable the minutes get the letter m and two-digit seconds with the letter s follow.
3h53
